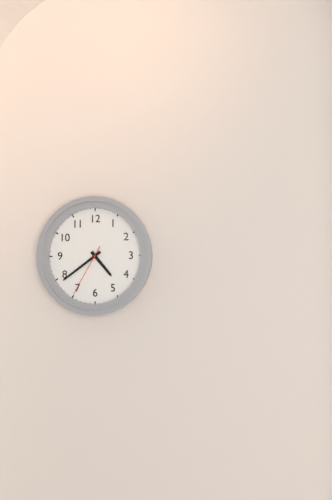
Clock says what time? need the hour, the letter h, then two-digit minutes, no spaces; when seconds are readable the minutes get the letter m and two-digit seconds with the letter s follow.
4h39m35s
